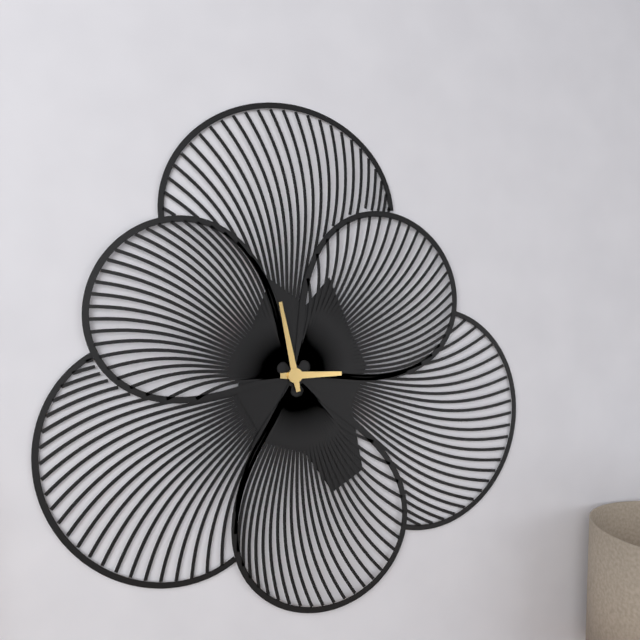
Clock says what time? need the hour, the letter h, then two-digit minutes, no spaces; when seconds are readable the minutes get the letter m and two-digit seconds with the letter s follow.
2h58
